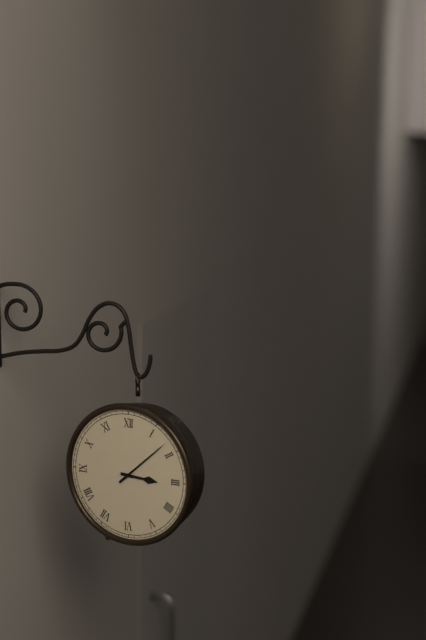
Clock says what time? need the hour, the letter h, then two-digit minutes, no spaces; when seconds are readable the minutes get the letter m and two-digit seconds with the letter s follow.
3h08
